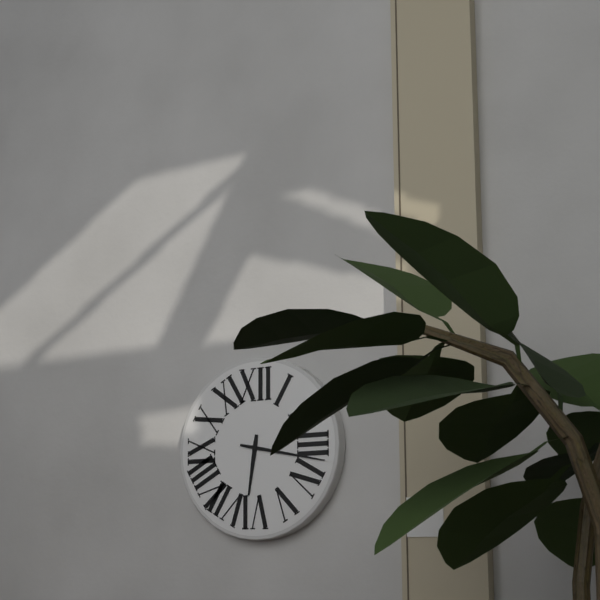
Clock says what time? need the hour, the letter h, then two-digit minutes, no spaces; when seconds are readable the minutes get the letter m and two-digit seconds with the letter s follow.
6h17
